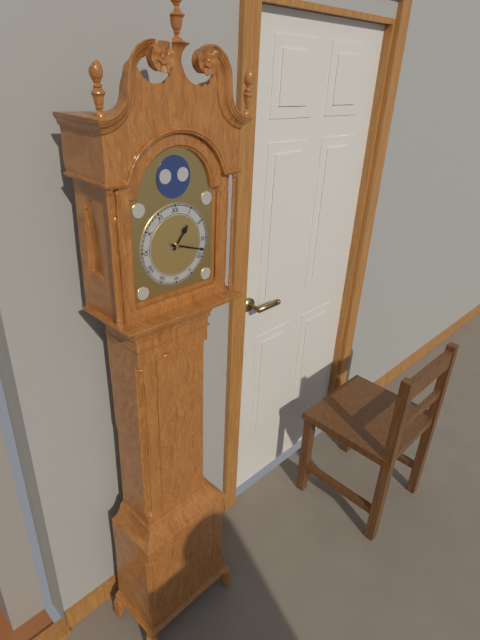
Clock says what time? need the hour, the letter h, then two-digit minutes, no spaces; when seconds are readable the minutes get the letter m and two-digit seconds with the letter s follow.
1h18
